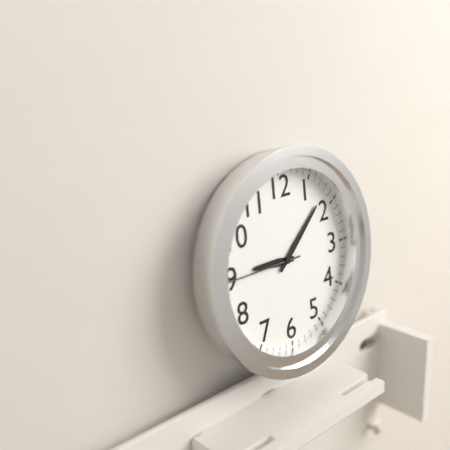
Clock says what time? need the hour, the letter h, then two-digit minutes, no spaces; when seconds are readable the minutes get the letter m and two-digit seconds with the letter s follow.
9h08m45s
